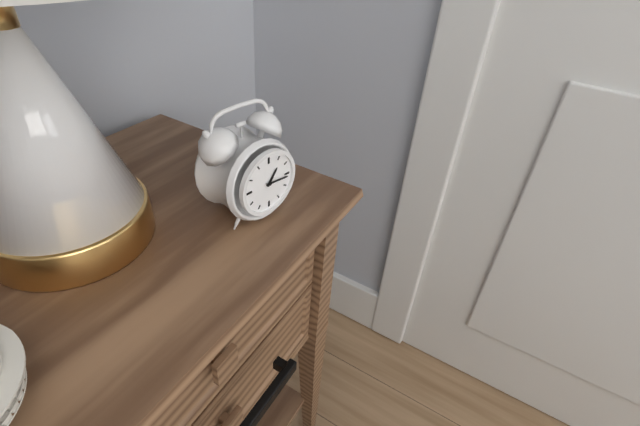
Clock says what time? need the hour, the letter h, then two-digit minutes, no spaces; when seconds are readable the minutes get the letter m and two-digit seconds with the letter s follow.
1h16
